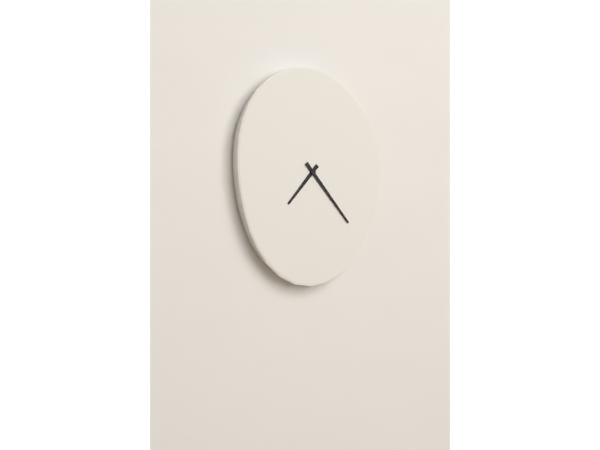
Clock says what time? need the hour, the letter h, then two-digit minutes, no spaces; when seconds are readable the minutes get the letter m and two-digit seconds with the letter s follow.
7h23
